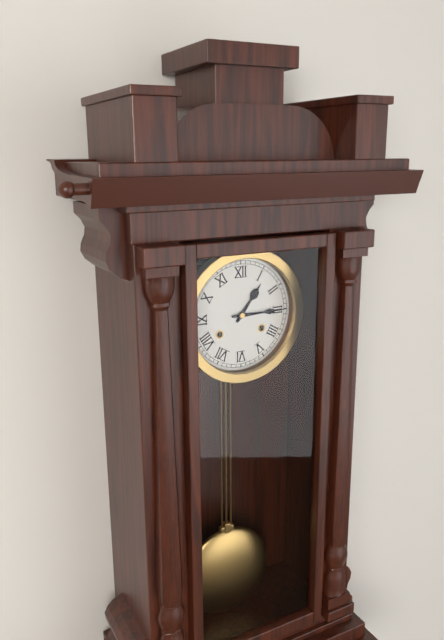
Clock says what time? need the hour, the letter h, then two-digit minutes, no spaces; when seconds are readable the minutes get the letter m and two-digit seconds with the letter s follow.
1h15
